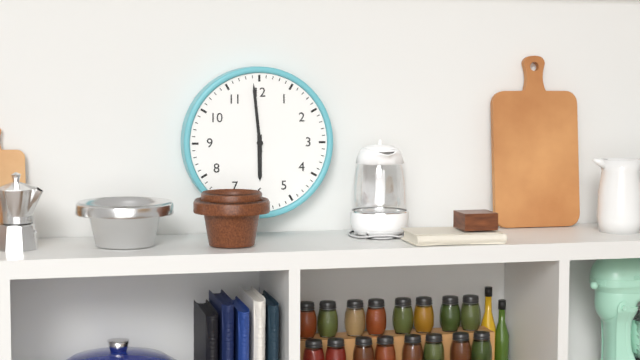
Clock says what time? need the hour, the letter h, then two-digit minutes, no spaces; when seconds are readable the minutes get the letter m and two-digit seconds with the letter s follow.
5h59
